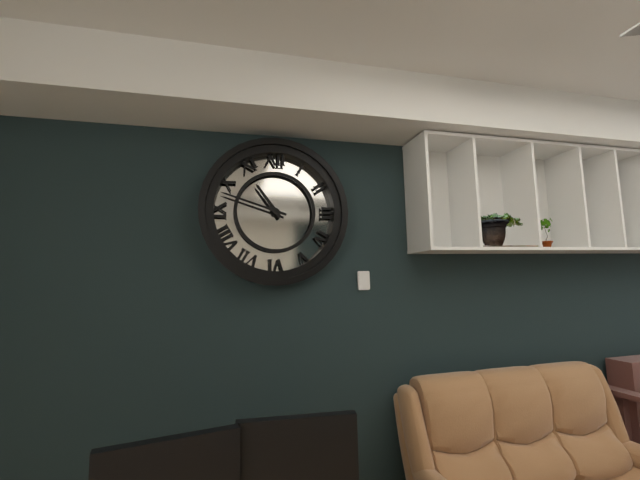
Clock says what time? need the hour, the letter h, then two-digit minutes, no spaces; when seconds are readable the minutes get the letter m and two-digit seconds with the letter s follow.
10h48
